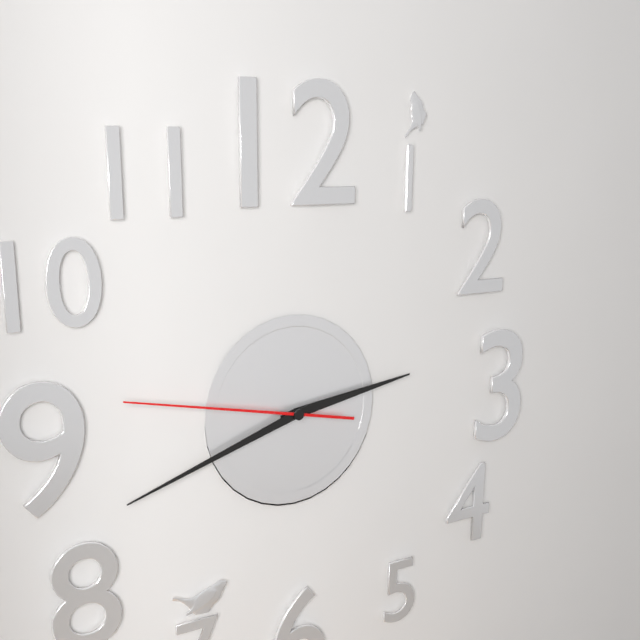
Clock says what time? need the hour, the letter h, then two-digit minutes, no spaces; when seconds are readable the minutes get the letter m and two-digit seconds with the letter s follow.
2h42m47s
